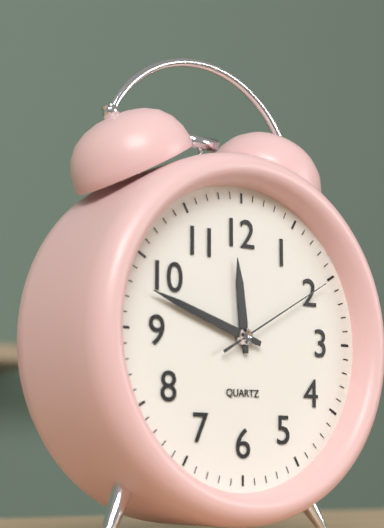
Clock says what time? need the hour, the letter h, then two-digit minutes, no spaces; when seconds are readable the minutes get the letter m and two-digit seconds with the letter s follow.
11h48m10s
